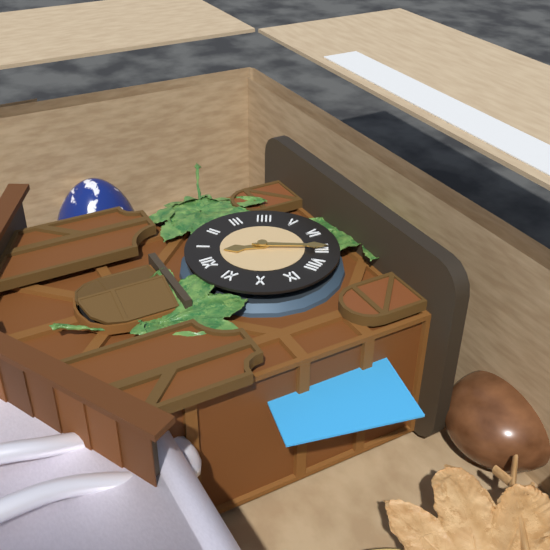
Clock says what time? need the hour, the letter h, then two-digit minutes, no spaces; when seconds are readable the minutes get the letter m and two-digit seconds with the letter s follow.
12h35
